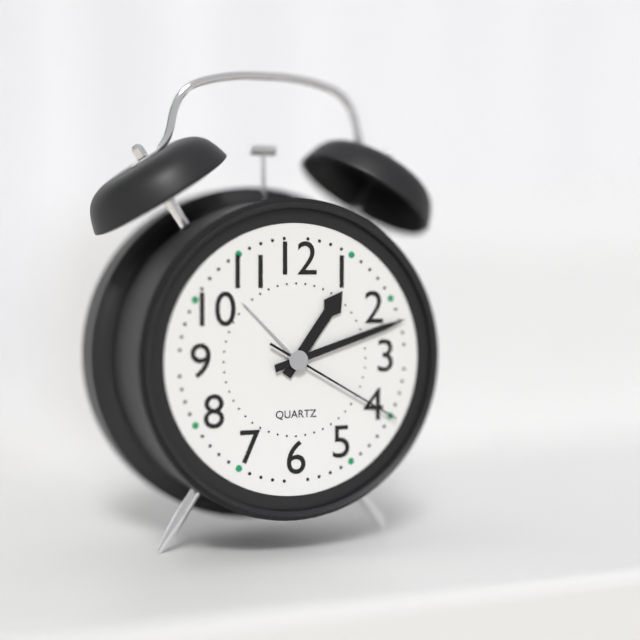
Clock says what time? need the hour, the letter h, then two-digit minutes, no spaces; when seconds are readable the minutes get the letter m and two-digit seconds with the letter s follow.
1h12m20s
